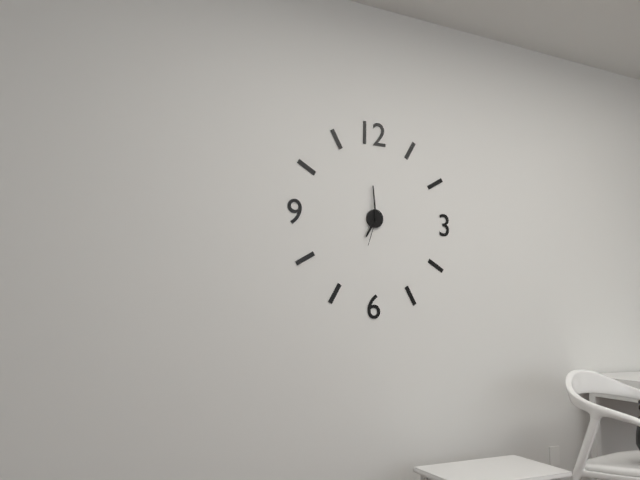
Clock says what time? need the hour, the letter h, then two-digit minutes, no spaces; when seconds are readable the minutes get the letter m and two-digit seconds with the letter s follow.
6h59
